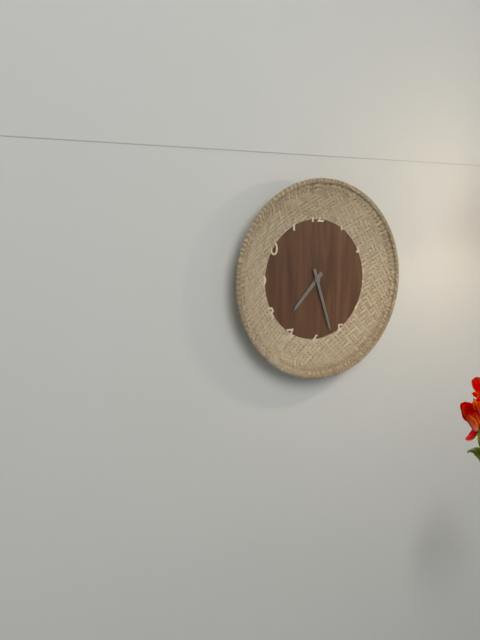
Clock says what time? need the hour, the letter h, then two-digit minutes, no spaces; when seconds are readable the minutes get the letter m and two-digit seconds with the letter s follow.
7h27
